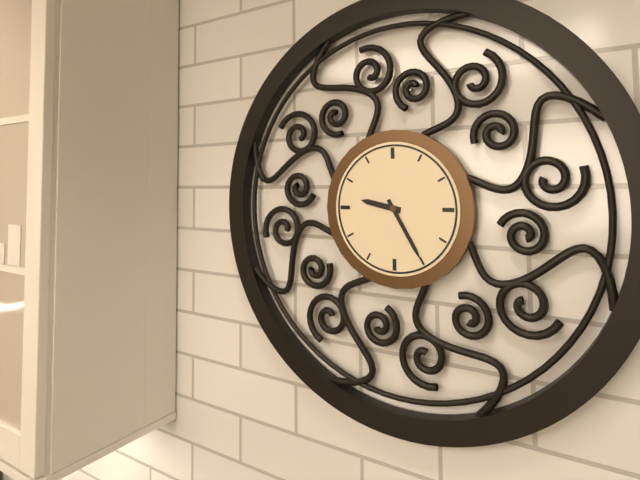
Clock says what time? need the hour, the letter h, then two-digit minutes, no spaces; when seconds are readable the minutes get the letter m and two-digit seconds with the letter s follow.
9h25
